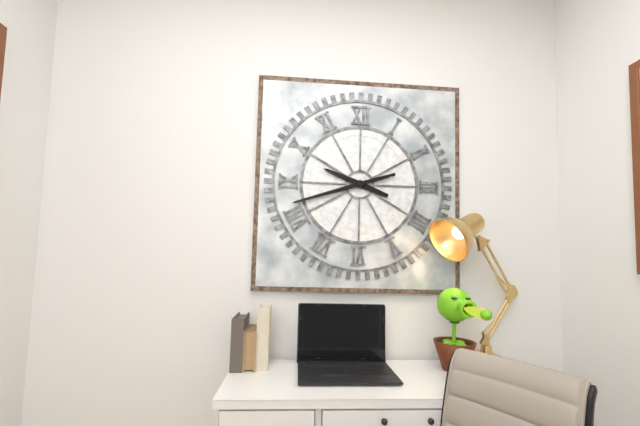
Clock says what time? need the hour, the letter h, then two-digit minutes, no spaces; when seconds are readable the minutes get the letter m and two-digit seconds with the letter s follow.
9h42
